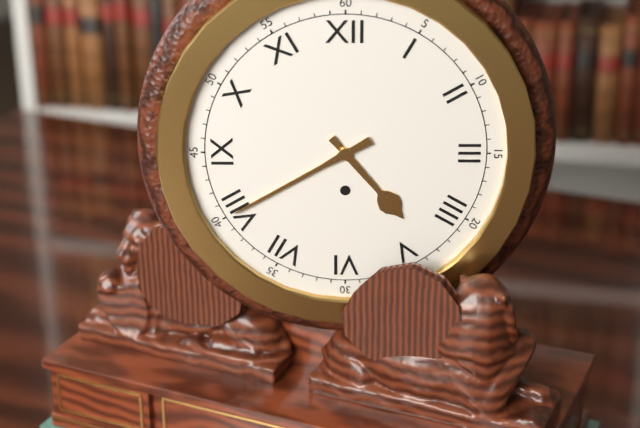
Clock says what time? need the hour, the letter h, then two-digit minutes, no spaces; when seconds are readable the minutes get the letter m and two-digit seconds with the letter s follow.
4h40
